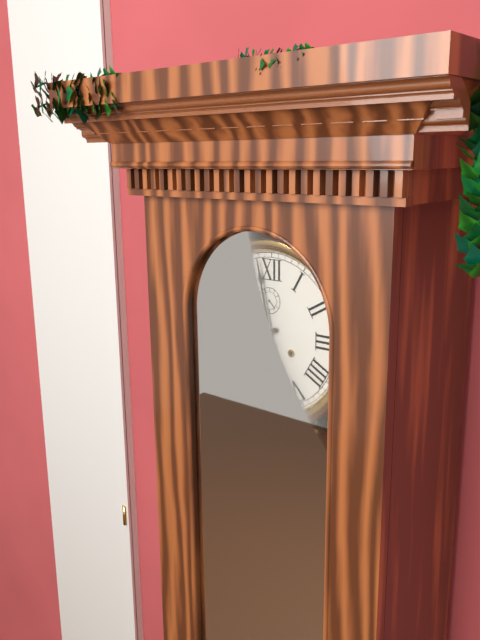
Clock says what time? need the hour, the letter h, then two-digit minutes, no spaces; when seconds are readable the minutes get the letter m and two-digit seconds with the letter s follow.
7h58
